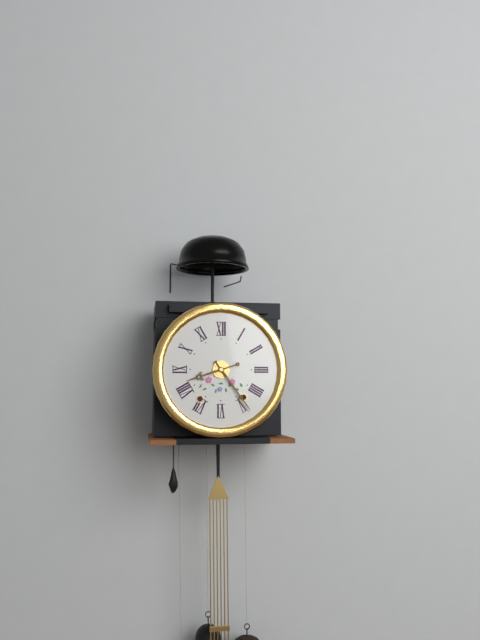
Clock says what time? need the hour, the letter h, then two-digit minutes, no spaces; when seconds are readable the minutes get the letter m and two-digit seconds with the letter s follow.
8h24
